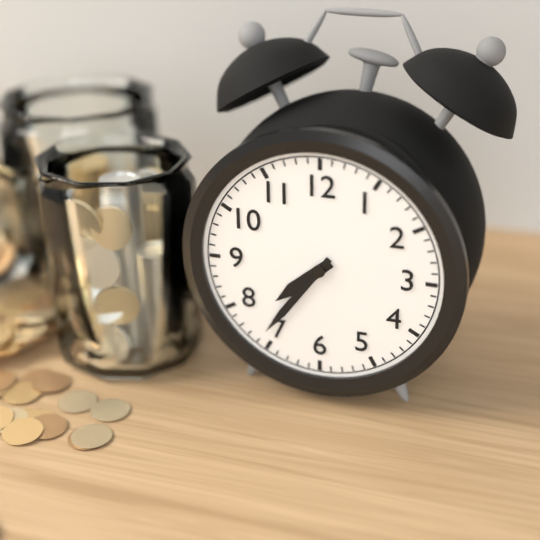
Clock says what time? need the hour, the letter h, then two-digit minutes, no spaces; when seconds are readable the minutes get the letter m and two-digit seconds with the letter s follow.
7h36
